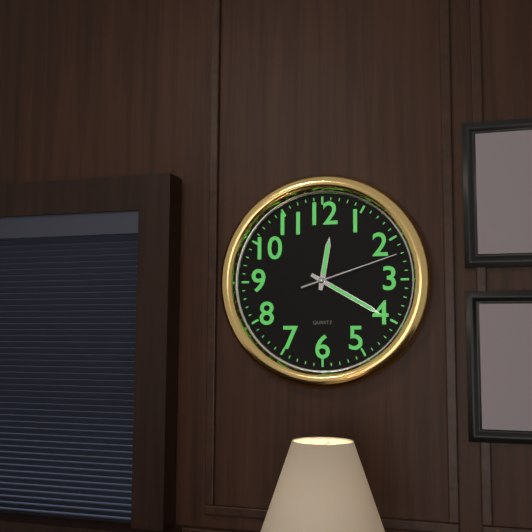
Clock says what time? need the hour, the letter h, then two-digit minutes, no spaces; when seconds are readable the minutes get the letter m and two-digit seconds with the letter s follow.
12h20m12s
